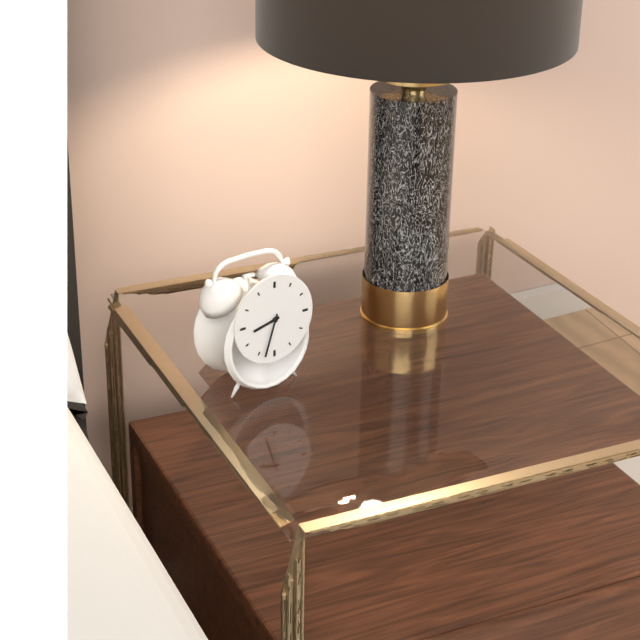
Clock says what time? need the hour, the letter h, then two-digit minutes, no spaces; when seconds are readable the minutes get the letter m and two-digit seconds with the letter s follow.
8h33
